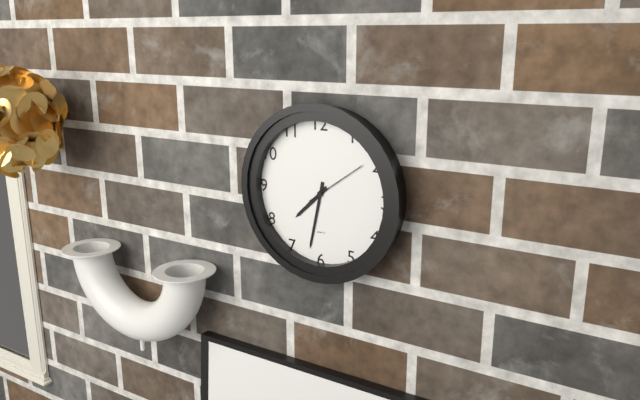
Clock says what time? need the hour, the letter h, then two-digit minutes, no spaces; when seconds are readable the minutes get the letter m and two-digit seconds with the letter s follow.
7h32m09s
